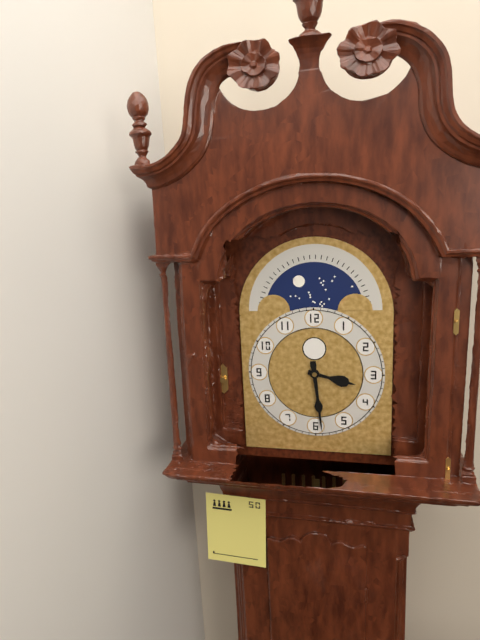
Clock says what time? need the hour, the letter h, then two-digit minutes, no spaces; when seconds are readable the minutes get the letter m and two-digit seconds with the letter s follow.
3h29
